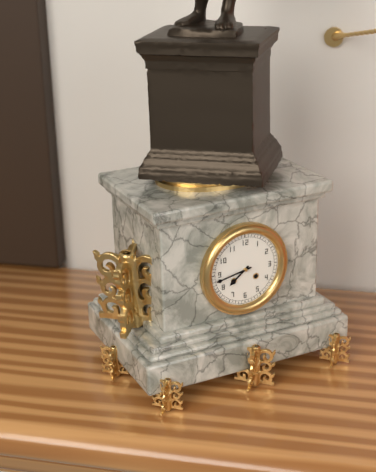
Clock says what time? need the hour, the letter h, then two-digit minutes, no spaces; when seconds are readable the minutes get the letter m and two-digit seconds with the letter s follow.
7h43
